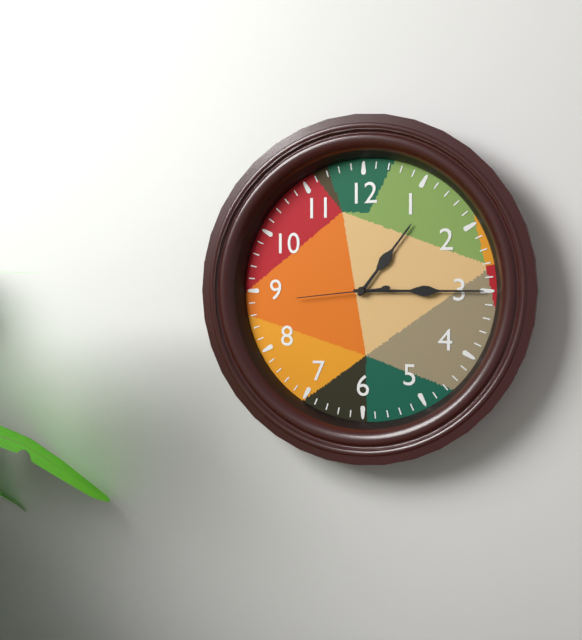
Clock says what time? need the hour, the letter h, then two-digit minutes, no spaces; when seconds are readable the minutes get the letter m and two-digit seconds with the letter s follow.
1h15m44s
